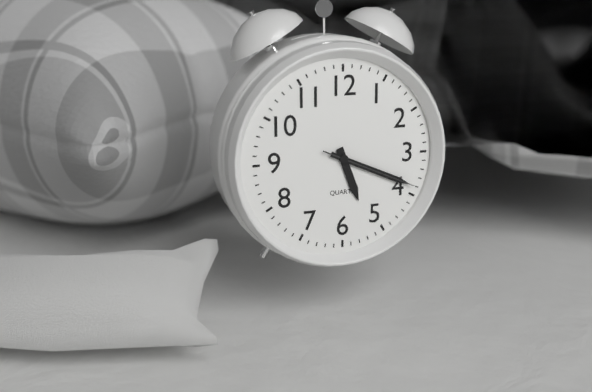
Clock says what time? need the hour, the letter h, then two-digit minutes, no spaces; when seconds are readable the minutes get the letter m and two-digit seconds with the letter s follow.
5h19m19s
